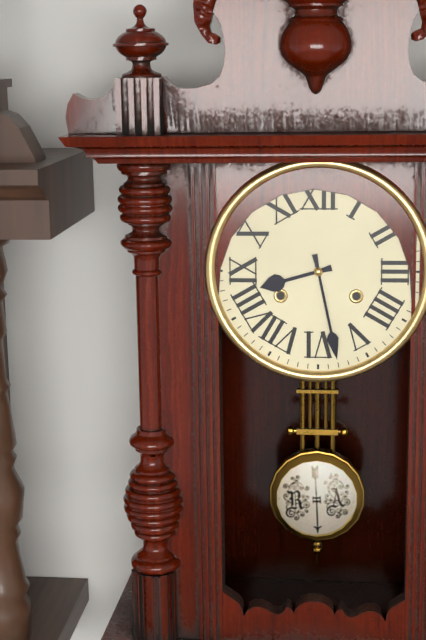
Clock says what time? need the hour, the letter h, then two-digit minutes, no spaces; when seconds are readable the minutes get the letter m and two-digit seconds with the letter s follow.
8h28
